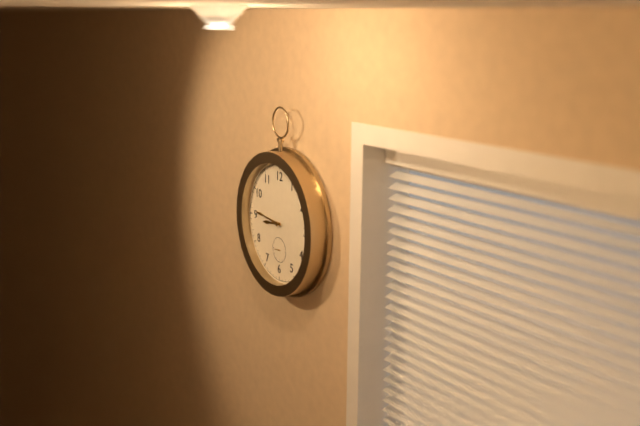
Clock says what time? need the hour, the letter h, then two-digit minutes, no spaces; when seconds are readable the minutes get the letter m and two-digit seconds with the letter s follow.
8h46
